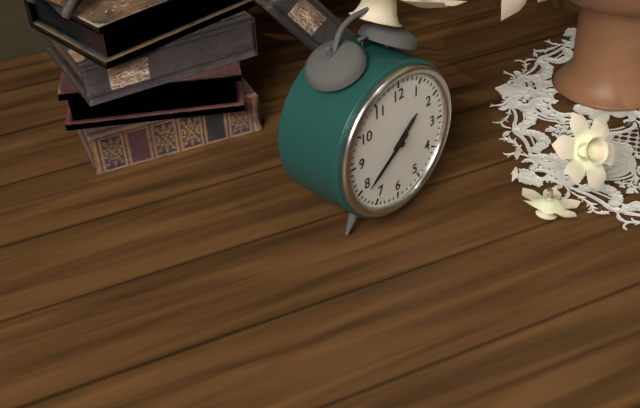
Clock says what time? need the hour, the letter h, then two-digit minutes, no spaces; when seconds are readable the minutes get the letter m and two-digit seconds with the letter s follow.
1h39
